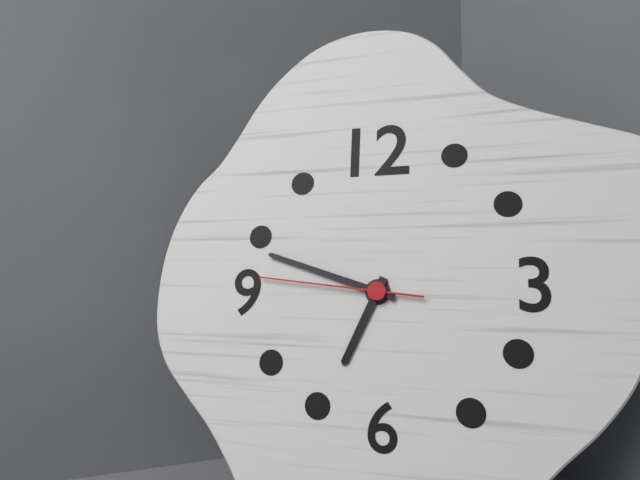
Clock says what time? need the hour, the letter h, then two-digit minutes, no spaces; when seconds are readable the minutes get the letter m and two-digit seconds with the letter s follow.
6h48m46s
